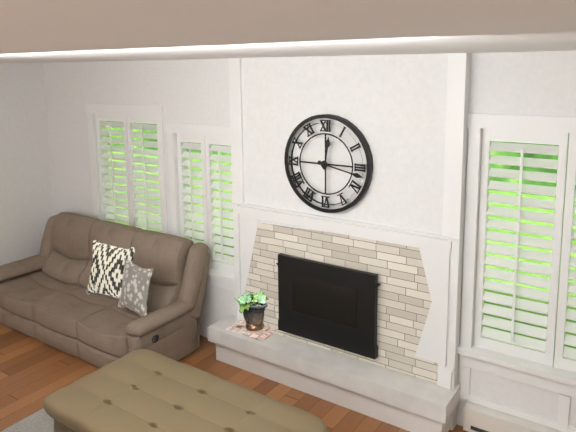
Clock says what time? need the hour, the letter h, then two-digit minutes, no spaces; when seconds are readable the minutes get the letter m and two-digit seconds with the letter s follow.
12h17
